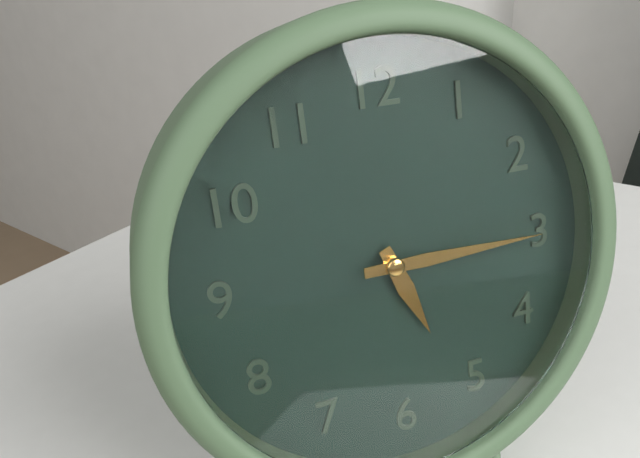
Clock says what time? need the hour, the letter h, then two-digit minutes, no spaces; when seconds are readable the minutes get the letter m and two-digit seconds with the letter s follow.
5h15
